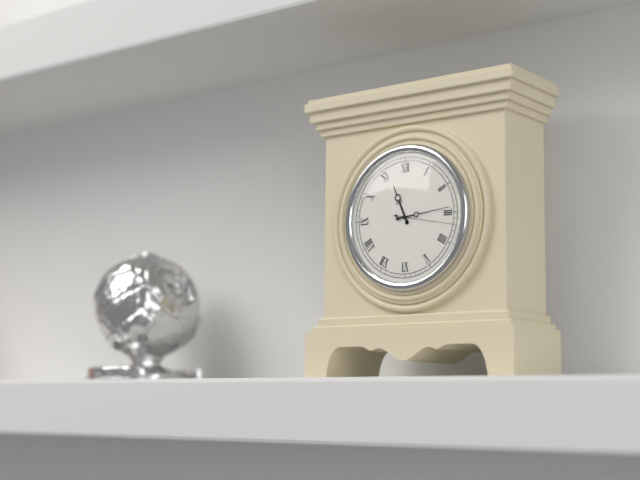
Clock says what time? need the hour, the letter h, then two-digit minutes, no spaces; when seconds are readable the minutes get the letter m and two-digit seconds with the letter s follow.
11h14m17s
